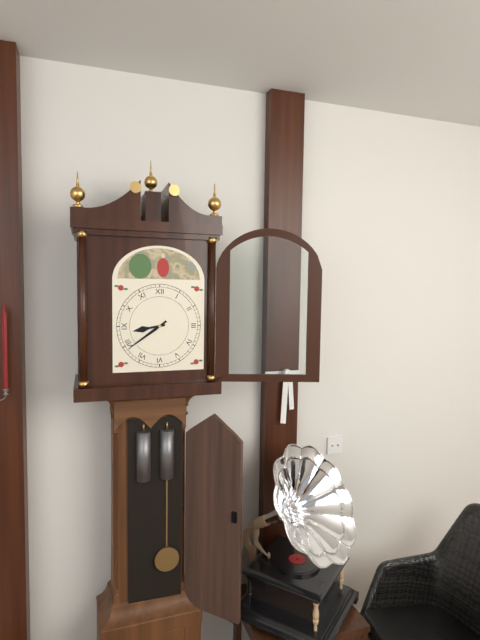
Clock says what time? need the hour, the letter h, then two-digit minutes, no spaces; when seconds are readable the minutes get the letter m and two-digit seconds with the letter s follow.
8h39
